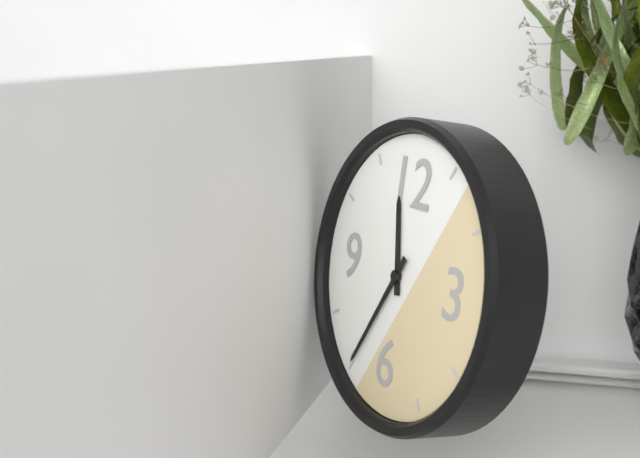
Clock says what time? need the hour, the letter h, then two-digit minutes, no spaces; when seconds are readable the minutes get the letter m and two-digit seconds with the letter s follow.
11h35
